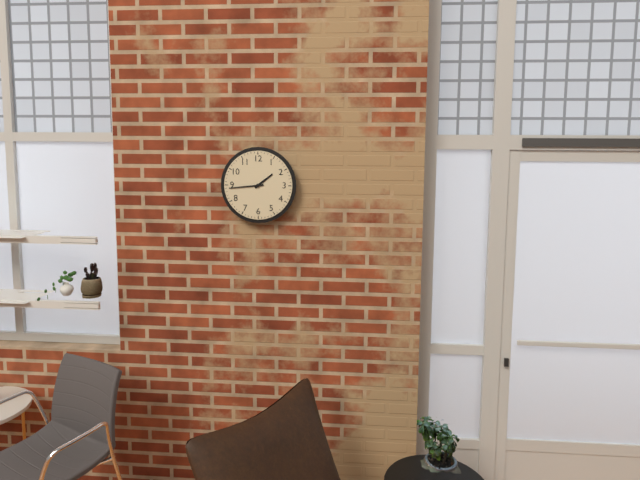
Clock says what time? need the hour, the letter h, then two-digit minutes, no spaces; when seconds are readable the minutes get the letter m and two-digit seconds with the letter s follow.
1h44
